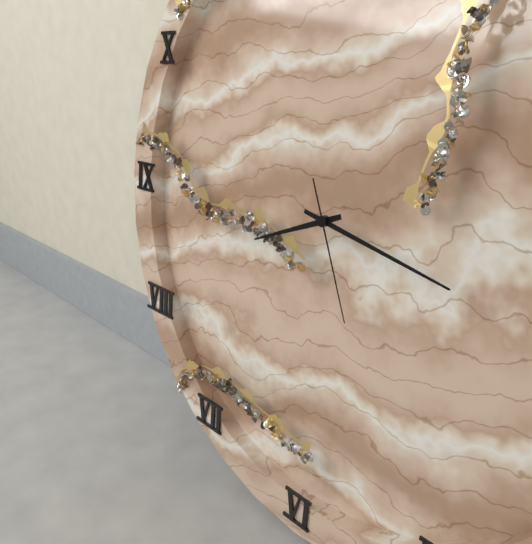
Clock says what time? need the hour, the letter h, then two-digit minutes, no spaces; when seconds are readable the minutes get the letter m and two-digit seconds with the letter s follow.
8h17m26s
